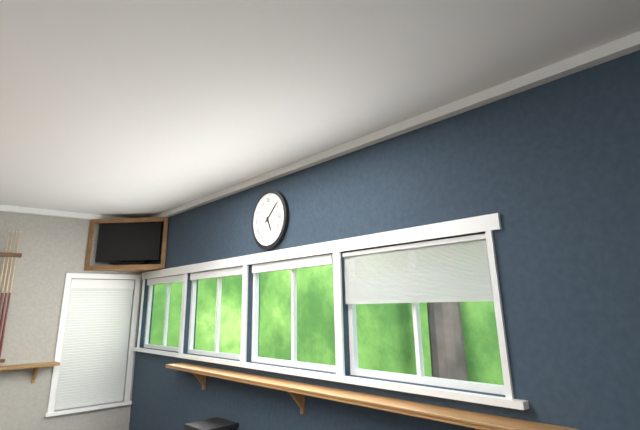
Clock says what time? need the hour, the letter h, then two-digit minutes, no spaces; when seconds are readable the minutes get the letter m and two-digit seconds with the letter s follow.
5h08
